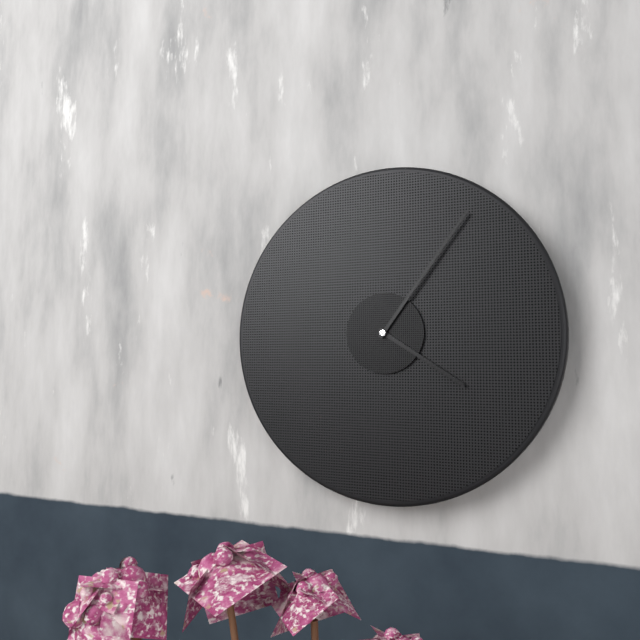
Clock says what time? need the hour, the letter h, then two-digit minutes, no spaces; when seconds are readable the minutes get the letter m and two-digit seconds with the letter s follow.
4h06
